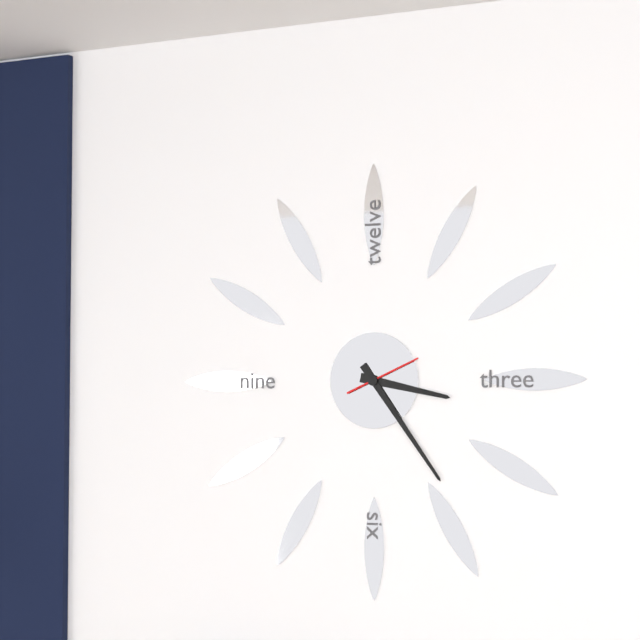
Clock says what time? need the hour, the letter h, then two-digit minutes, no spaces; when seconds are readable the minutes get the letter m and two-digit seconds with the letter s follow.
3h24m11s
